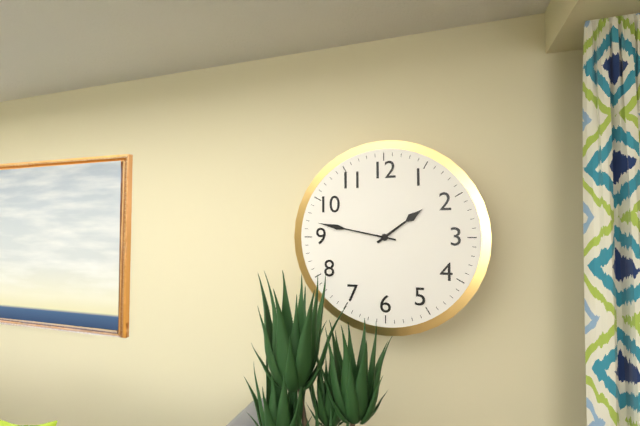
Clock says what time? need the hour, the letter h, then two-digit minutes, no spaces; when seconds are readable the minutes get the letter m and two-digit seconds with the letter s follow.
1h47
